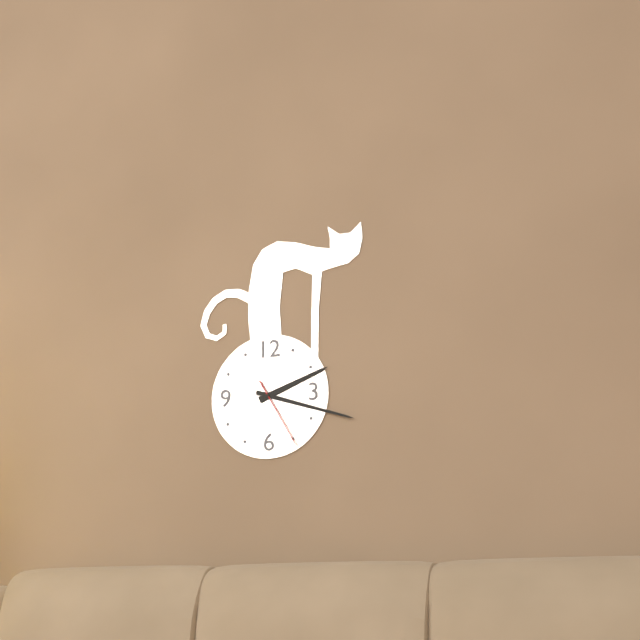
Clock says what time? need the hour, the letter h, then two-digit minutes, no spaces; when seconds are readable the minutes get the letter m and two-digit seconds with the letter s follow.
2h18m25s
